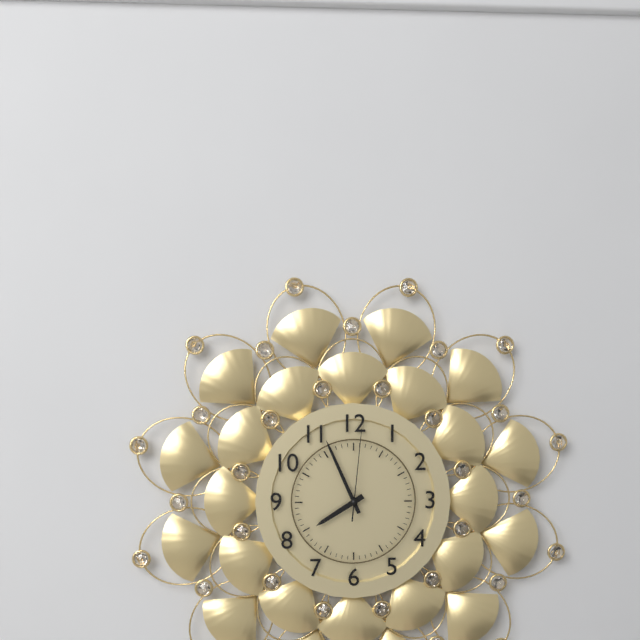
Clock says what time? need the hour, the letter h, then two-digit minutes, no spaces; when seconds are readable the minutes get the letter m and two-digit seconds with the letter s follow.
7h56m01s
